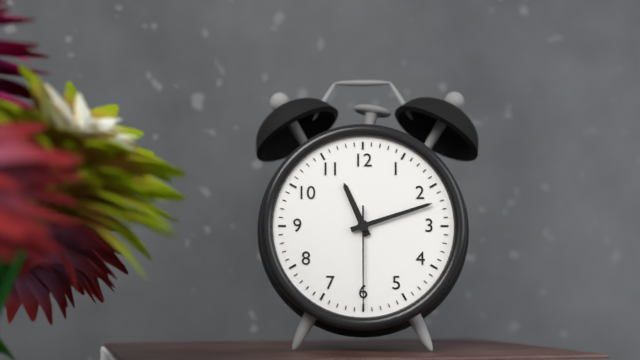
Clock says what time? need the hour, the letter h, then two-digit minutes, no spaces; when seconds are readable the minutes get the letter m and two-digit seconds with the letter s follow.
11h12m30s
